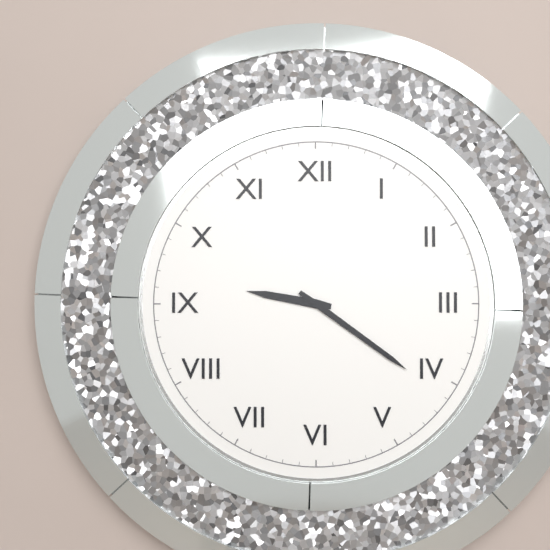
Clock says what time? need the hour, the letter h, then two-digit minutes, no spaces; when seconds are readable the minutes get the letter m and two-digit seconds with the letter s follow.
9h21
